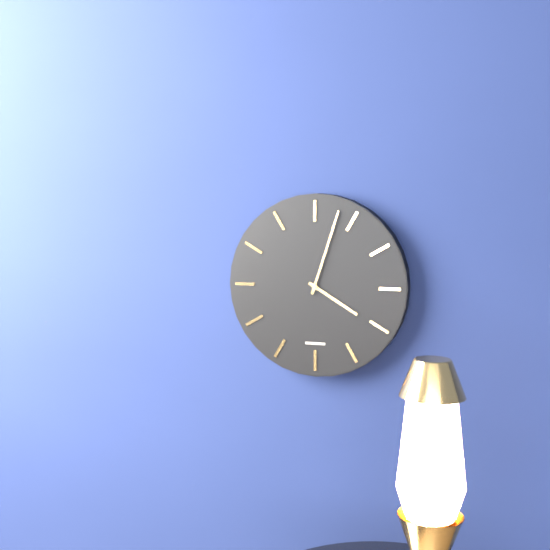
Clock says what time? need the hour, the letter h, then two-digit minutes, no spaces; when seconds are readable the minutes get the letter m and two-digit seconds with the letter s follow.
4h03
